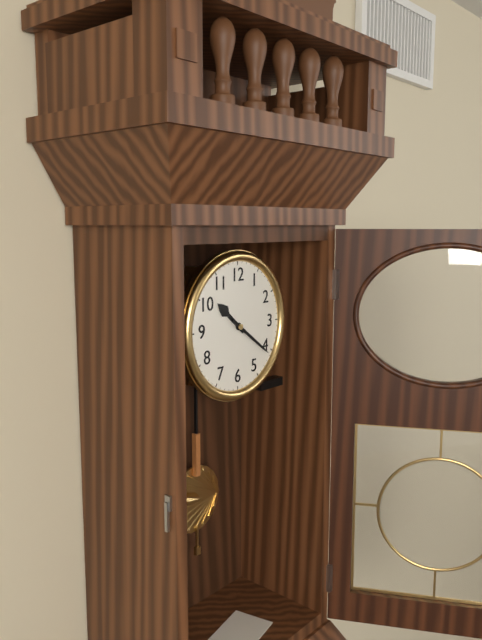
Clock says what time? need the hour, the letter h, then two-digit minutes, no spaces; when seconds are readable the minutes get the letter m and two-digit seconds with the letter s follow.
10h21
